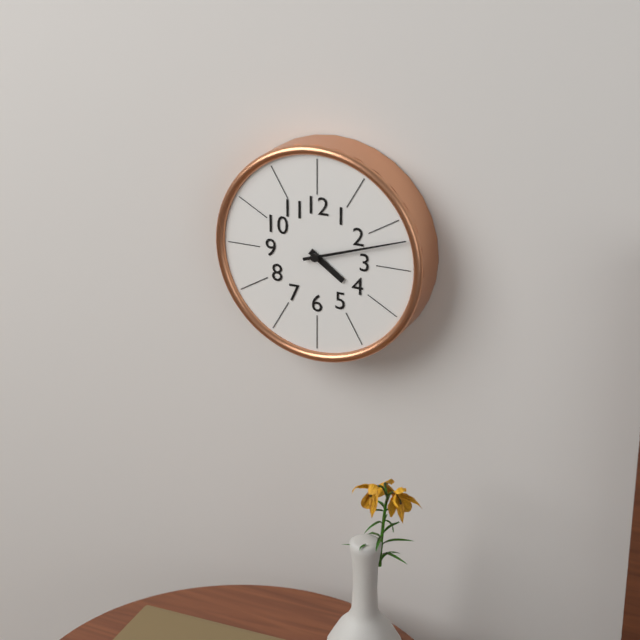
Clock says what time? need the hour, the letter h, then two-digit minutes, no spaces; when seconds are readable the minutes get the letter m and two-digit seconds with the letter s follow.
4h12
